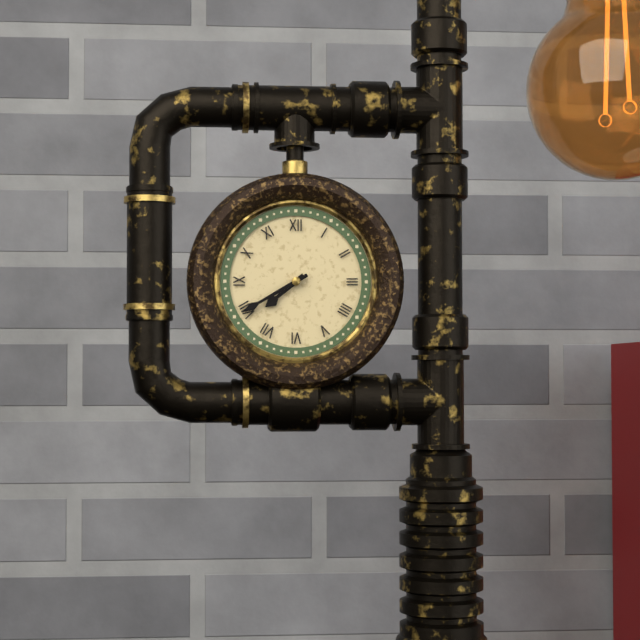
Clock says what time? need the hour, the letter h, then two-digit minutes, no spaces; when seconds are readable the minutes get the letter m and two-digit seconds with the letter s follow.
7h40
